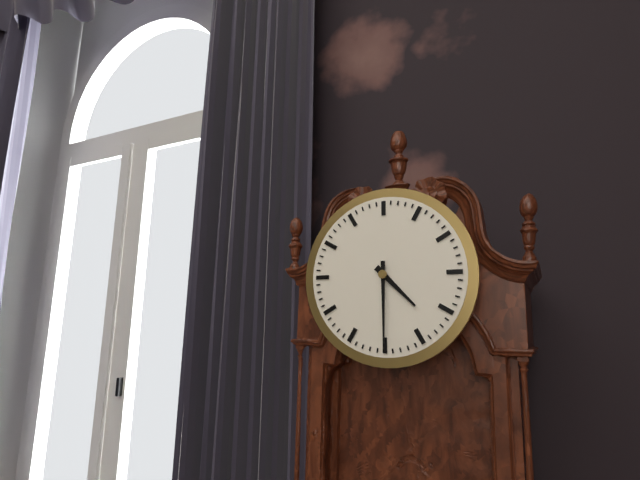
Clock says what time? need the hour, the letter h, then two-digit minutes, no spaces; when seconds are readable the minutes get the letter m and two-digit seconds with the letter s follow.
4h30
